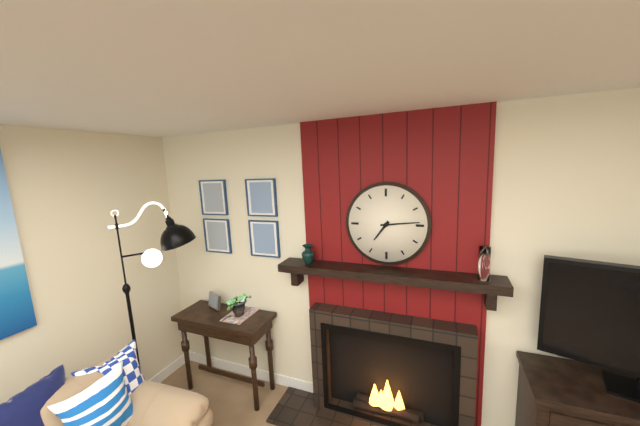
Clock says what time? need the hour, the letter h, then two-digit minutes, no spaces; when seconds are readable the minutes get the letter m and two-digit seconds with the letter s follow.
7h14
